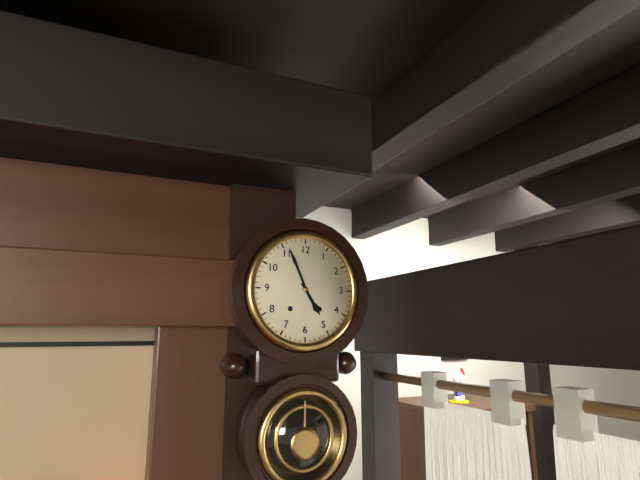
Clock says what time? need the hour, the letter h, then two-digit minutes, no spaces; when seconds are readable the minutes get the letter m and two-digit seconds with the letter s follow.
4h56
